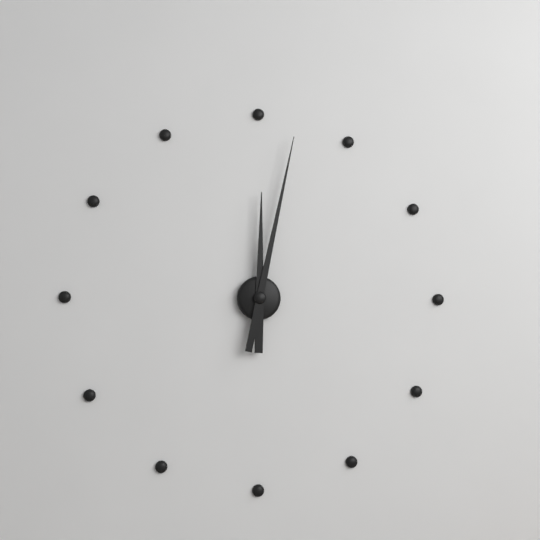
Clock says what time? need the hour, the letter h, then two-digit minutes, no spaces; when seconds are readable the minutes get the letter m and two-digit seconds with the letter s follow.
12h02
